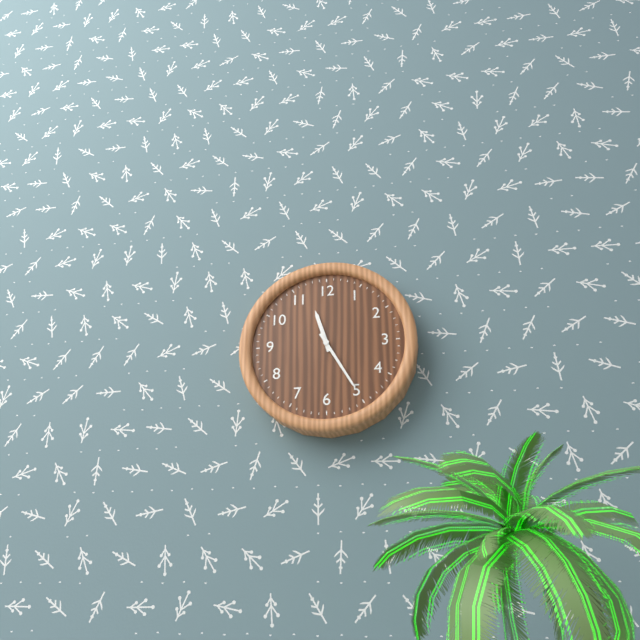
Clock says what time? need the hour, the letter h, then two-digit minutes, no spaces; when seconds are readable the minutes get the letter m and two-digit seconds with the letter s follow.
11h25
